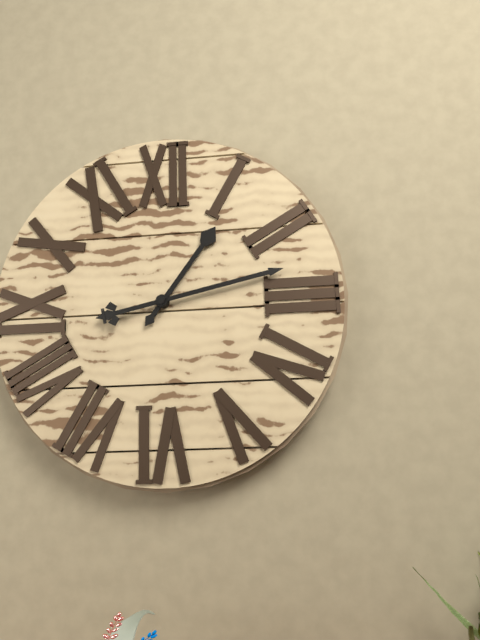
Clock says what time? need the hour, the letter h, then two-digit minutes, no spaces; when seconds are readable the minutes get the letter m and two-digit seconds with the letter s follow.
1h13
